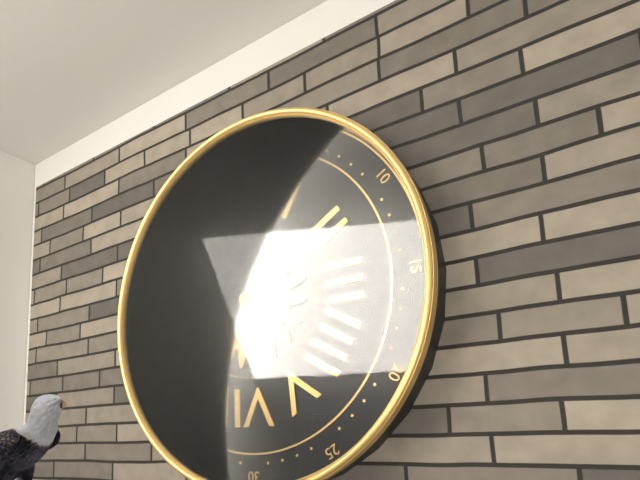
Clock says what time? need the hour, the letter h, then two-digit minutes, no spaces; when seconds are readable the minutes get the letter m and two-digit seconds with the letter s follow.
11h49
